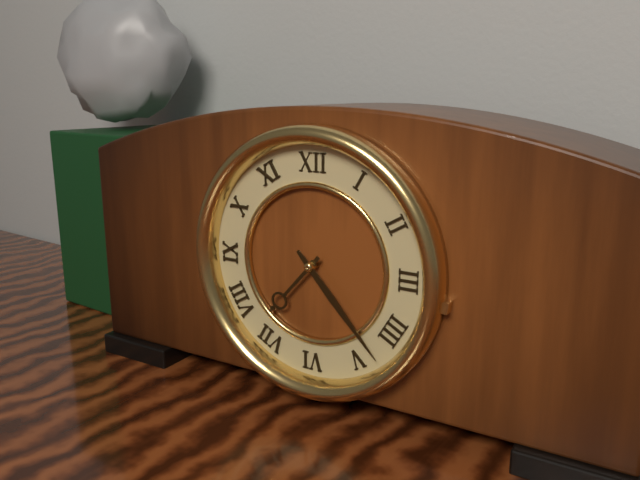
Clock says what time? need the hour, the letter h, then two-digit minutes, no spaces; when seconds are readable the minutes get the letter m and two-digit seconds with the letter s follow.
7h23
